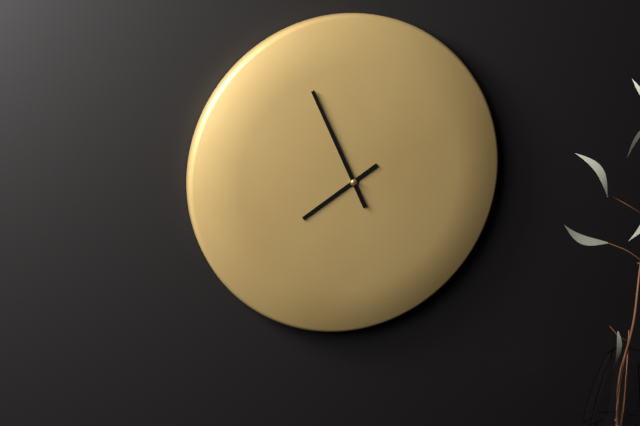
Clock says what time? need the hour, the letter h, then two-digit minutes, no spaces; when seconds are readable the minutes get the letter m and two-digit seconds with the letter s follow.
7h56
